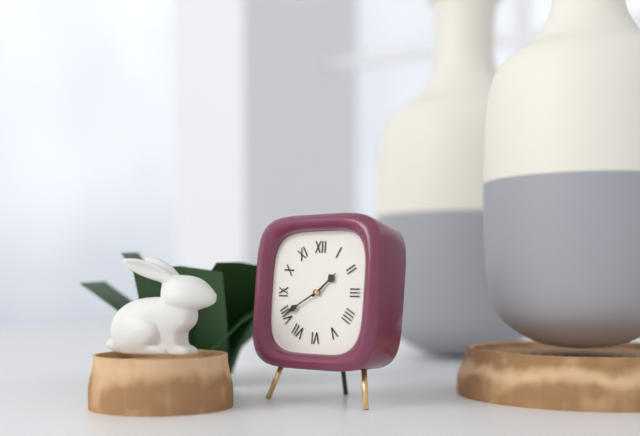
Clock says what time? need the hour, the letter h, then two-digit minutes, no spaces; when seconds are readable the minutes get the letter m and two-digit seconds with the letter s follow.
1h40
